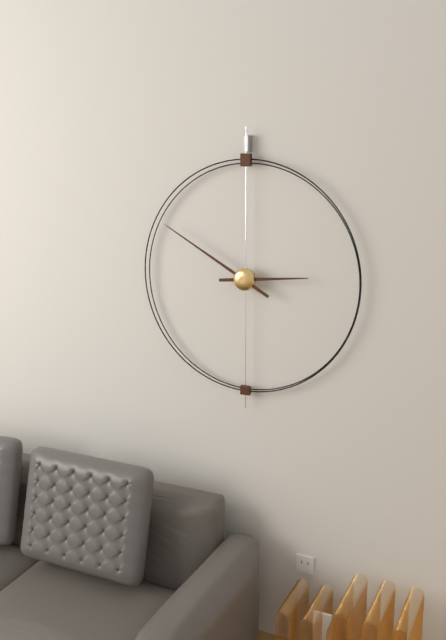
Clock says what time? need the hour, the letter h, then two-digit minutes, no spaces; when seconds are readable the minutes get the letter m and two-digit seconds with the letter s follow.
2h50
